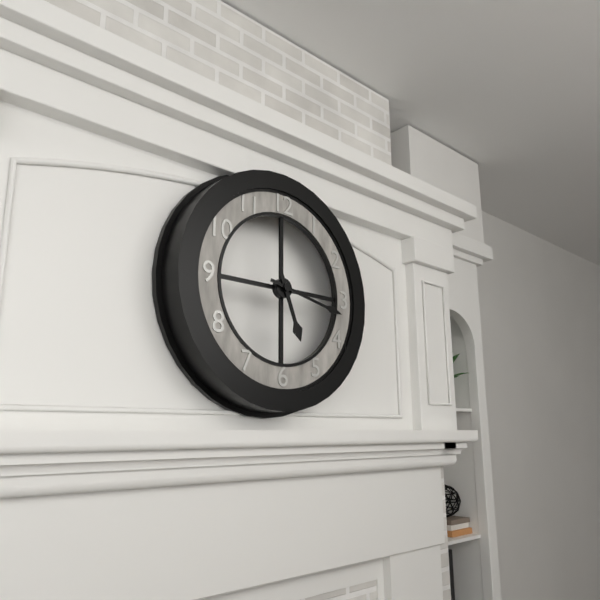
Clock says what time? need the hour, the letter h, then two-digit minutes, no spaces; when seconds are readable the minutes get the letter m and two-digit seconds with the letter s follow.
5h17
